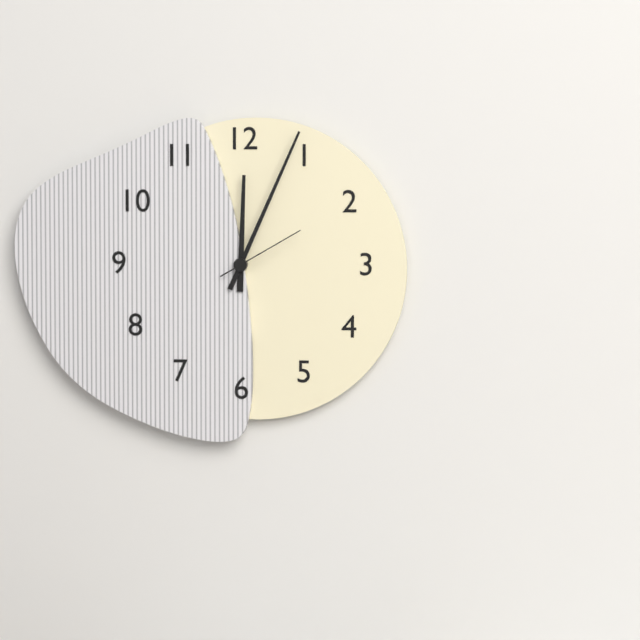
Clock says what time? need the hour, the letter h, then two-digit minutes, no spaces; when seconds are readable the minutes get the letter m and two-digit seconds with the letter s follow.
12h04m10s
